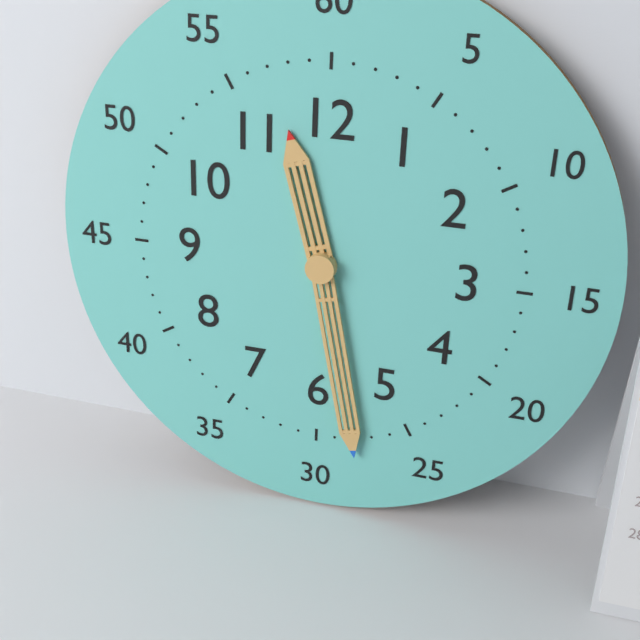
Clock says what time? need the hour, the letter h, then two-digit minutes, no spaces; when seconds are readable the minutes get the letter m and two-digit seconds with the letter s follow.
11h28
